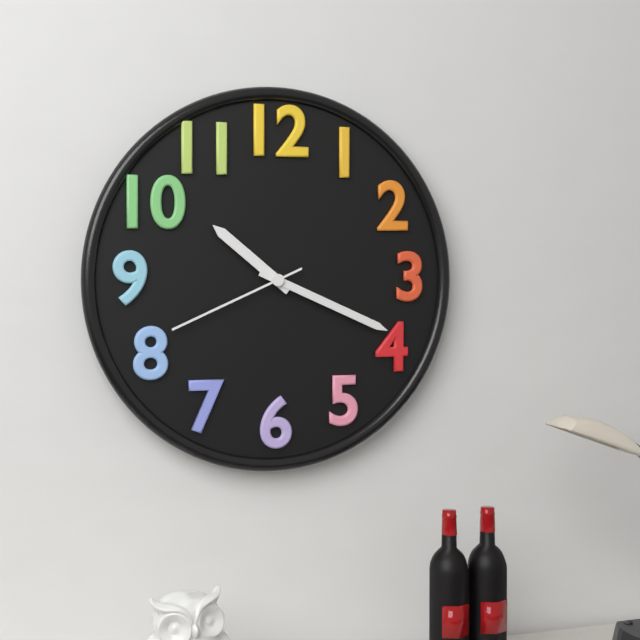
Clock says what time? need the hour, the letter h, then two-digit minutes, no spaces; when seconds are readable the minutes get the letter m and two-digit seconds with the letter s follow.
10h19m41s
